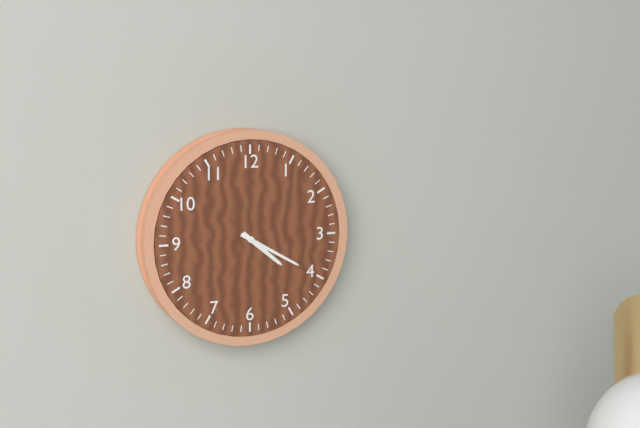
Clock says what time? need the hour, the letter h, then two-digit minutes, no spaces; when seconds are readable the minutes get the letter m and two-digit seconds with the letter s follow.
4h20
